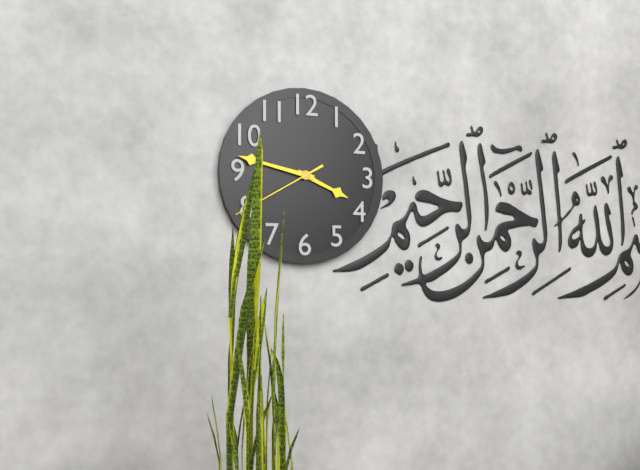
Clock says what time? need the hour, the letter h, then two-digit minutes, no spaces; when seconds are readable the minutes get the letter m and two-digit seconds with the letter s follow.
3h47m40s
